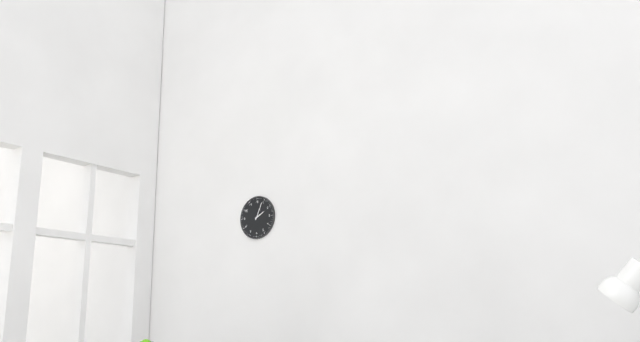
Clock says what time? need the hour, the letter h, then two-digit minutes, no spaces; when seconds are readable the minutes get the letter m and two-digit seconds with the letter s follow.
2h04
